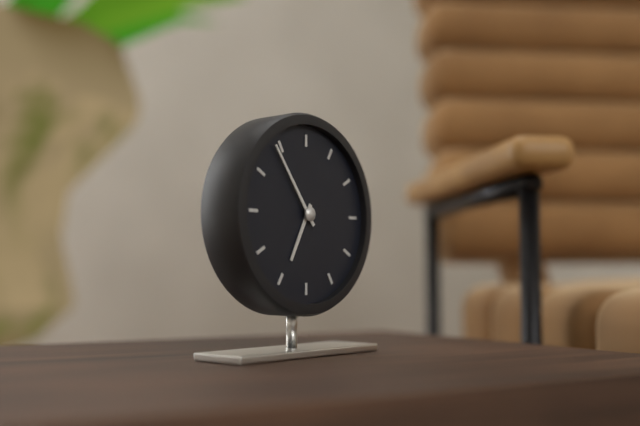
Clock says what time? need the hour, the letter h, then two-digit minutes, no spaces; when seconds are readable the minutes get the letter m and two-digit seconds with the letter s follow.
6h54
